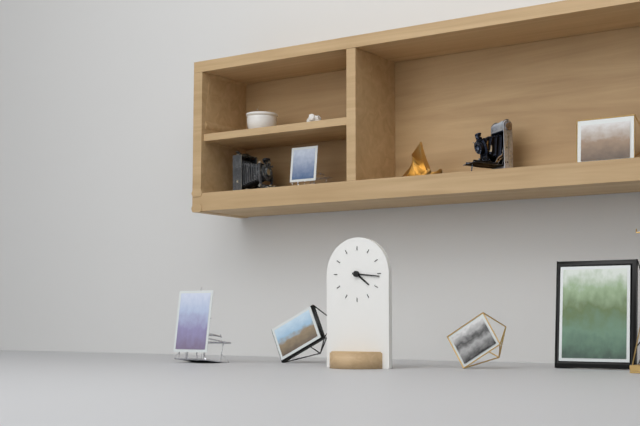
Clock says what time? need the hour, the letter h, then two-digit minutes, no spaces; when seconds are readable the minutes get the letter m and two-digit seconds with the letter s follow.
4h16
